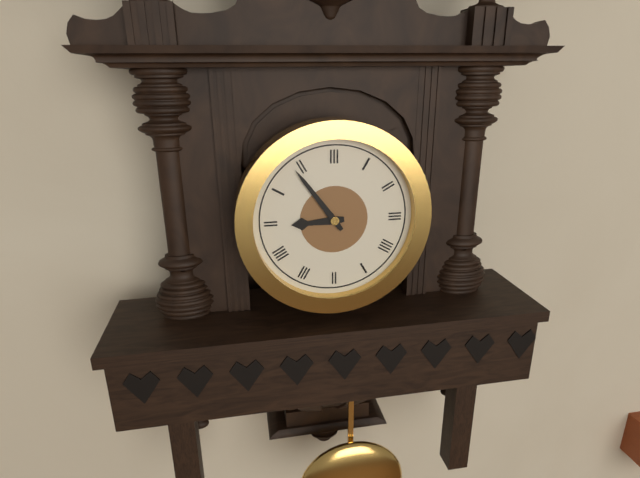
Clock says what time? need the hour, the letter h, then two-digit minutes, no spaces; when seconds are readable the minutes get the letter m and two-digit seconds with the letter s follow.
8h54
